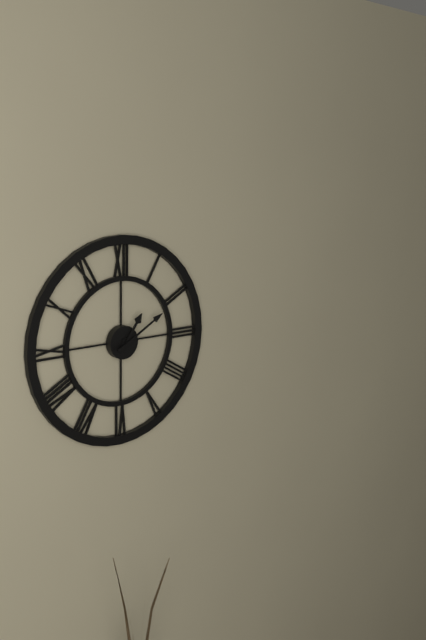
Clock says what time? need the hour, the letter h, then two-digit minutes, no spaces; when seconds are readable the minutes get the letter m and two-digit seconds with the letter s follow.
1h10
